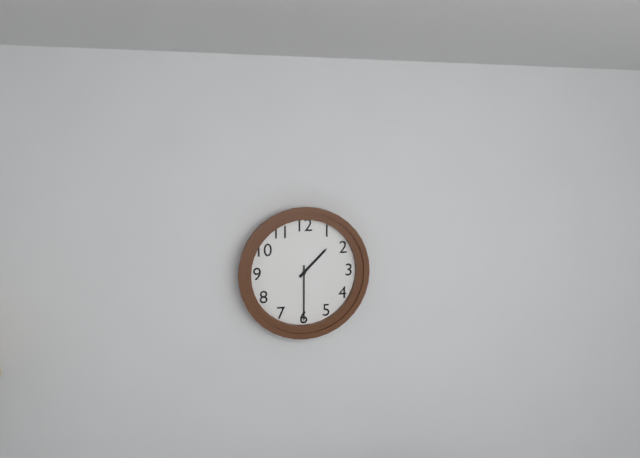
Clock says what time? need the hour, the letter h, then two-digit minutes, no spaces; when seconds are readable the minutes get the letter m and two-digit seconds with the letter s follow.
1h30
